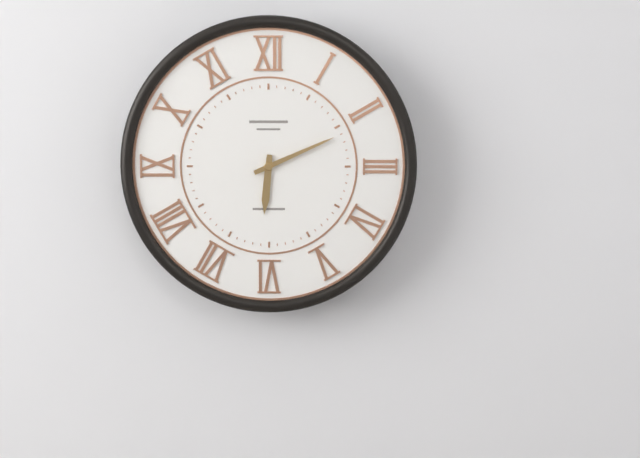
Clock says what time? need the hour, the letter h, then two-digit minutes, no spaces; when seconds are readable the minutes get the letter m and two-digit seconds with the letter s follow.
6h11
